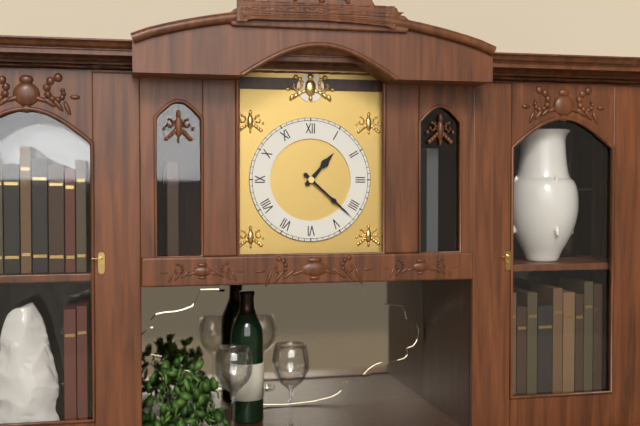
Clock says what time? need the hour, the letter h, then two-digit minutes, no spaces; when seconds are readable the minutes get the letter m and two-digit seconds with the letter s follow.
1h22
